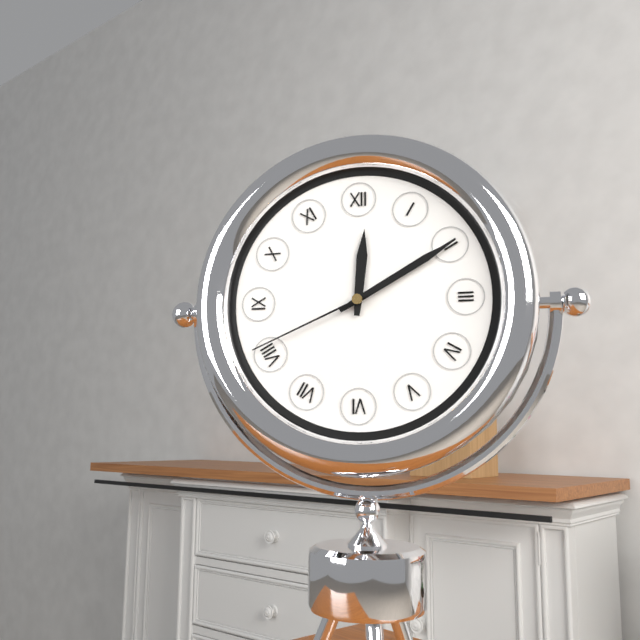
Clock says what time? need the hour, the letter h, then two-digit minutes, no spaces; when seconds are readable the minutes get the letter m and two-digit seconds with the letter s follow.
12h10m41s
